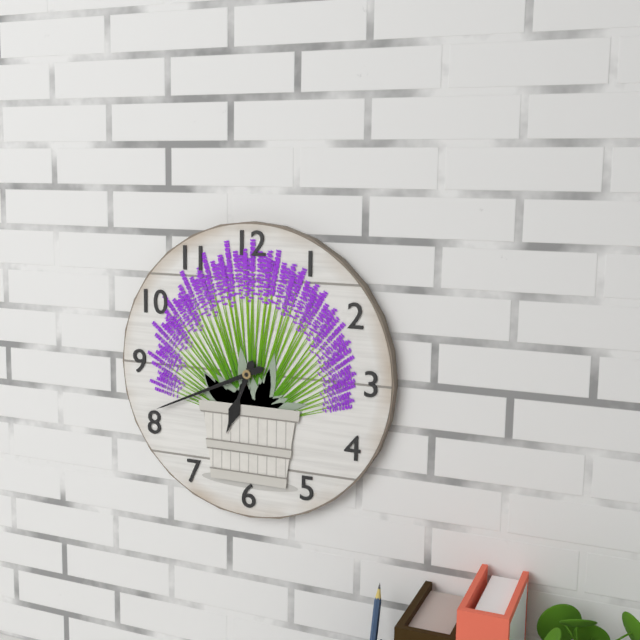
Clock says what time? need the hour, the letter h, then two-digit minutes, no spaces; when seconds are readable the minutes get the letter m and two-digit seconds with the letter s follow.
6h41
